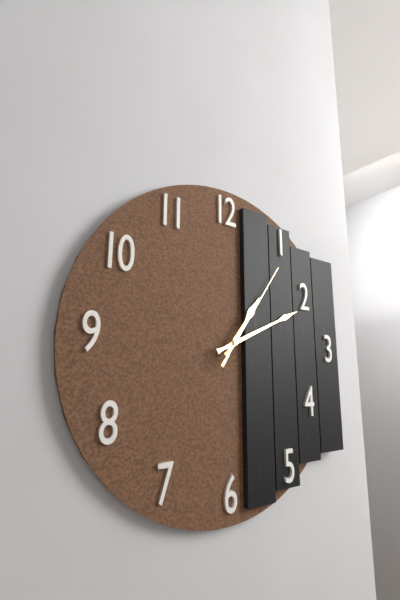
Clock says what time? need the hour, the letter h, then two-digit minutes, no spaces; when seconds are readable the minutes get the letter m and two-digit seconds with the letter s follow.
1h11m06s
